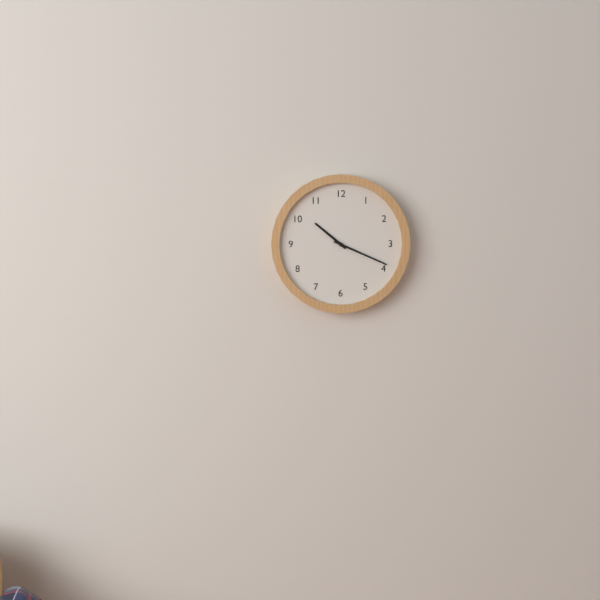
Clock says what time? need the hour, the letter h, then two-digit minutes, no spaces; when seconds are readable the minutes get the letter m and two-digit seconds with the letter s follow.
10h19
